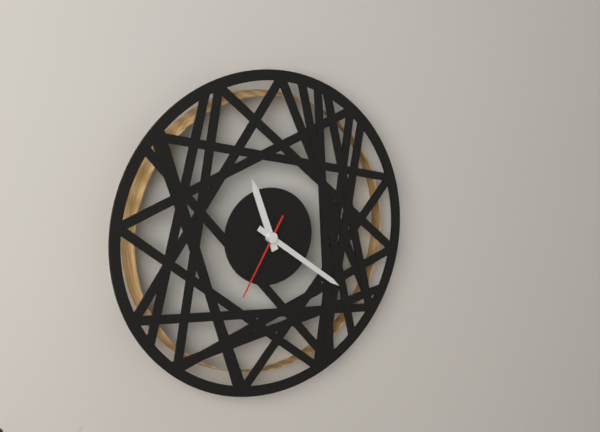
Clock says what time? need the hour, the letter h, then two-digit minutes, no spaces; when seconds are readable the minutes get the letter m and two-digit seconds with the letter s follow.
11h21m35s
